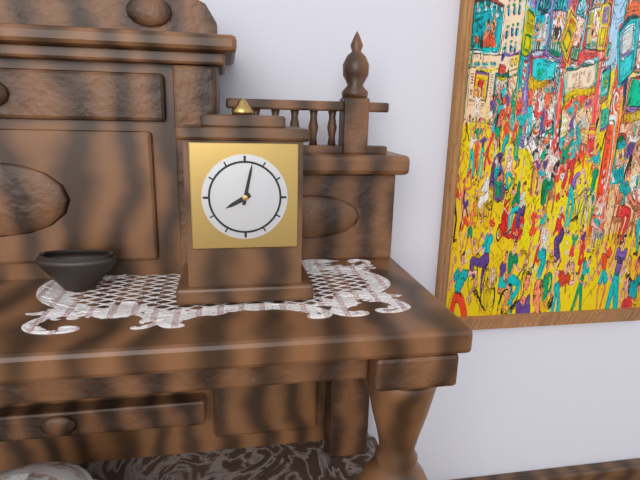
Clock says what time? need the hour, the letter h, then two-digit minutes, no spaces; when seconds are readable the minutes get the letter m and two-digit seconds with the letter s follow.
8h02
